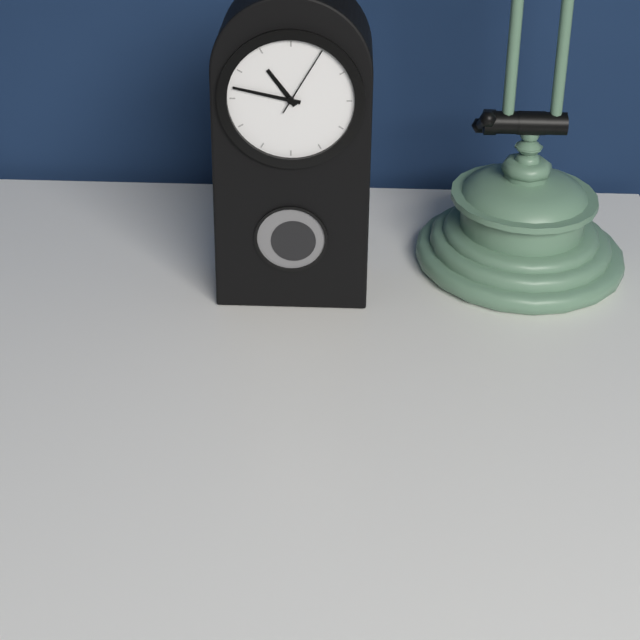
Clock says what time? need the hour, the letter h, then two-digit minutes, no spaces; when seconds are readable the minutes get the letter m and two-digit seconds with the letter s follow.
10h47m05s
